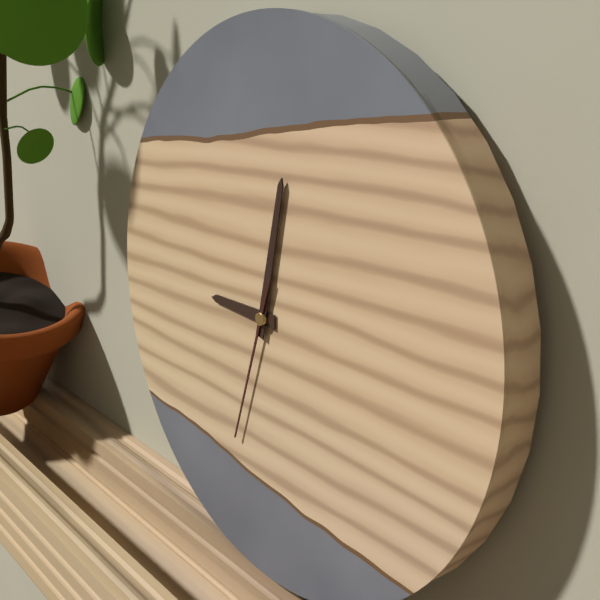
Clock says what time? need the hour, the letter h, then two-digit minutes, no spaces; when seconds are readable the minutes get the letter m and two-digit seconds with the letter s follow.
9h02m33s
